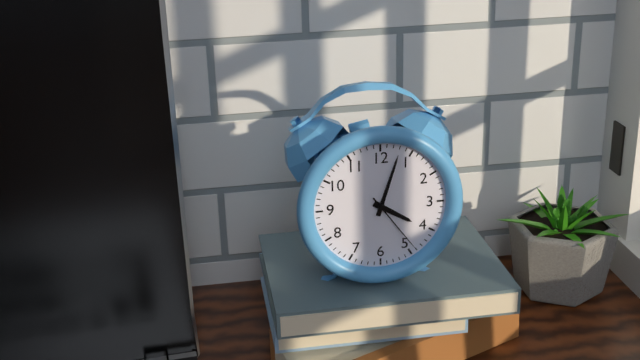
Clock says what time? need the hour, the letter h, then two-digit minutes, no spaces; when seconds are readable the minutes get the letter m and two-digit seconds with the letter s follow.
4h03m24s
